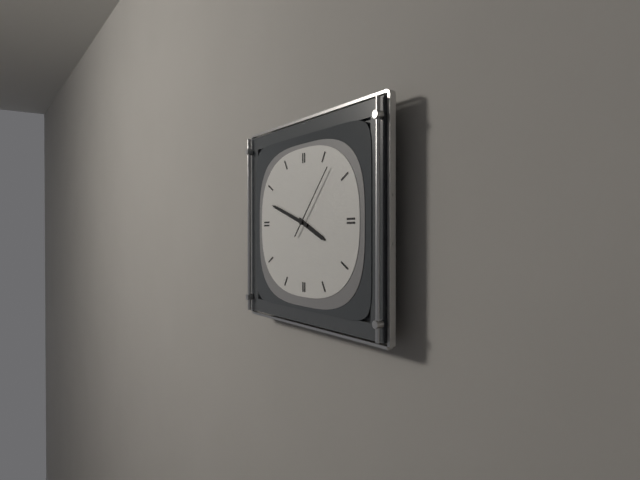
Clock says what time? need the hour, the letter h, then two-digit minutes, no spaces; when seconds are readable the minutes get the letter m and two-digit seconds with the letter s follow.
3h48m07s
